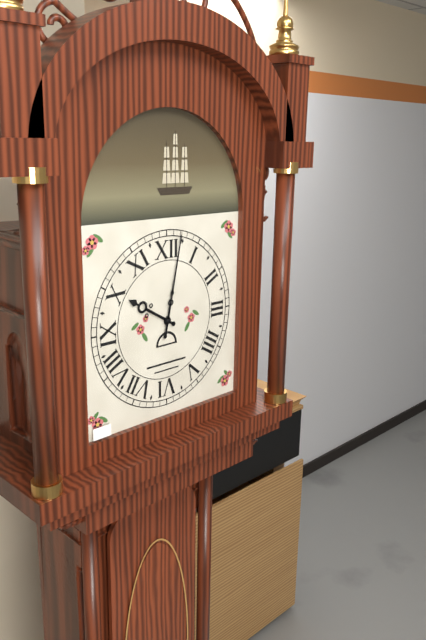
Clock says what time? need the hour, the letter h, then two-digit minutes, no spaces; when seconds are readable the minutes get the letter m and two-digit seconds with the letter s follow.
10h02
